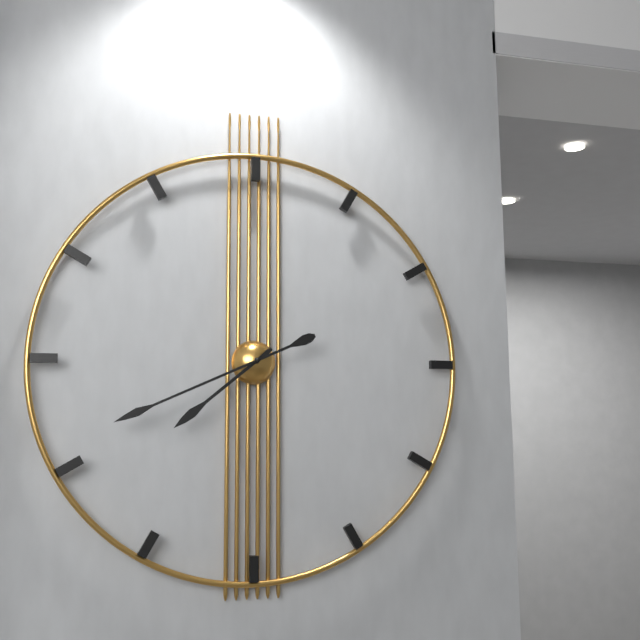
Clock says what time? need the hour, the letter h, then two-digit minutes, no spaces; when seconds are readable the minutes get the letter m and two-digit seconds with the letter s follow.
7h41
